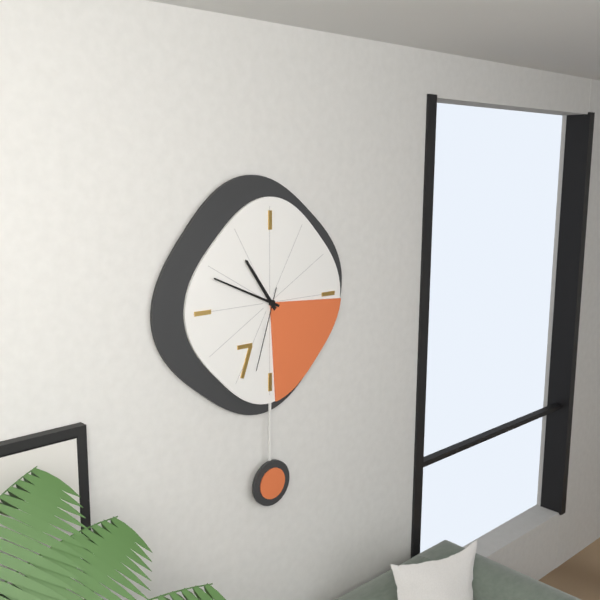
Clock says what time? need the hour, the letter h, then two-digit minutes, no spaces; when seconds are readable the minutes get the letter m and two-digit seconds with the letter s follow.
10h49m33s
